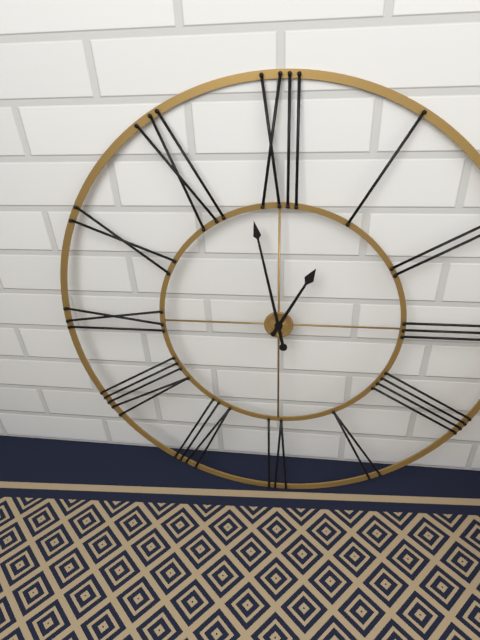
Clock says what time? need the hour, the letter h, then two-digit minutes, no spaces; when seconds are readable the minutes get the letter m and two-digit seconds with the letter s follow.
12h58
